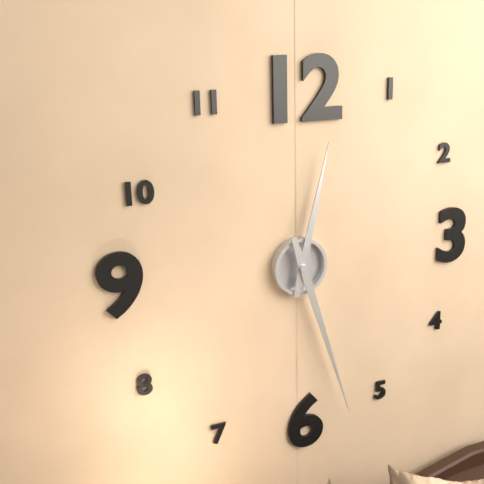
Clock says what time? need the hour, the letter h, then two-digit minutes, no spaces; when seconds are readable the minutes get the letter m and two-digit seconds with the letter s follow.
12h27
